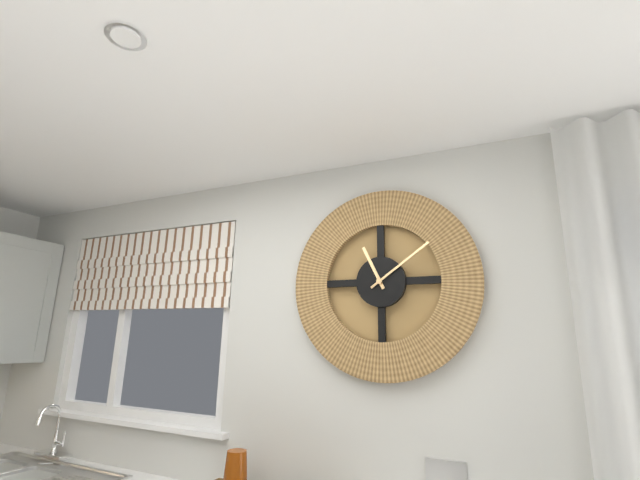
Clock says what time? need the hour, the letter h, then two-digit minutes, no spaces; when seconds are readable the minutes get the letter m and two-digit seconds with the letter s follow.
11h09
